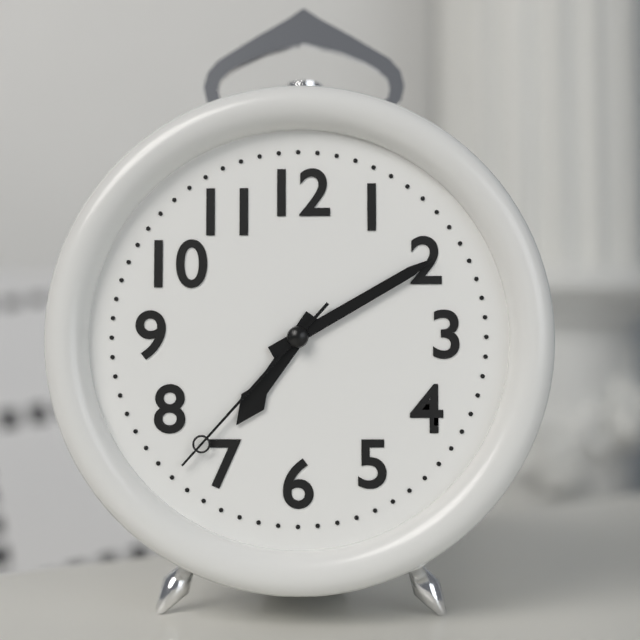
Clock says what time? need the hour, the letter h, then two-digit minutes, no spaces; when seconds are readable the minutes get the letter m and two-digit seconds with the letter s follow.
7h10m37s
